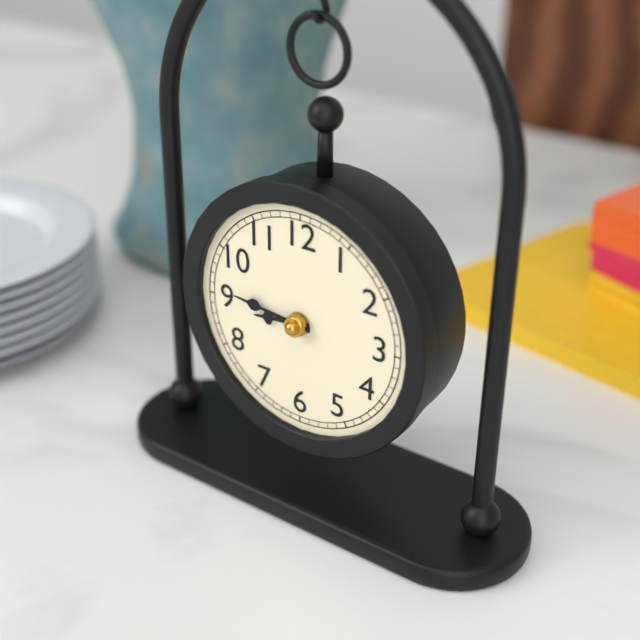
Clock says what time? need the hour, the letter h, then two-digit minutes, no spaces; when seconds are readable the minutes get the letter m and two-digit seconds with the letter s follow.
8h46
